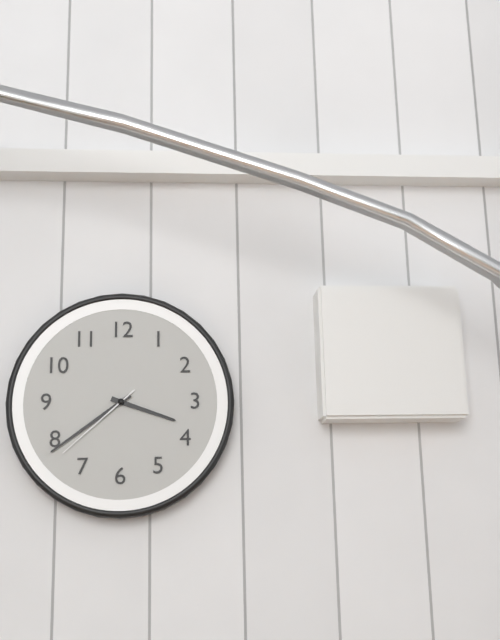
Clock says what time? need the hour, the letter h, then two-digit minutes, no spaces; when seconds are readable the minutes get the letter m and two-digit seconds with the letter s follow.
3h39m38s
